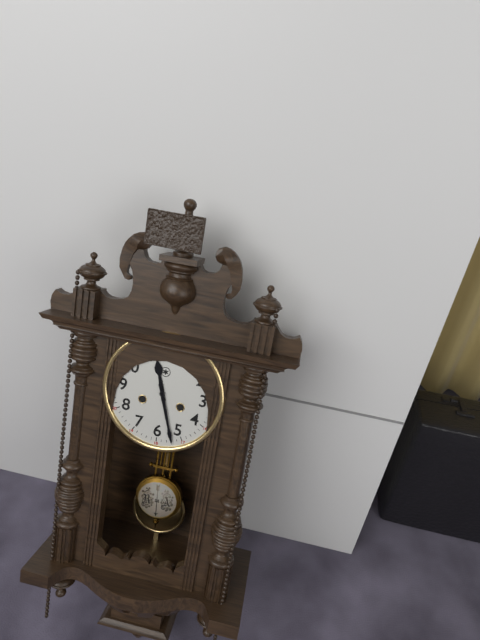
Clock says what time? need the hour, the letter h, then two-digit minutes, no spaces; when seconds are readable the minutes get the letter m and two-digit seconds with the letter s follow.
11h27
